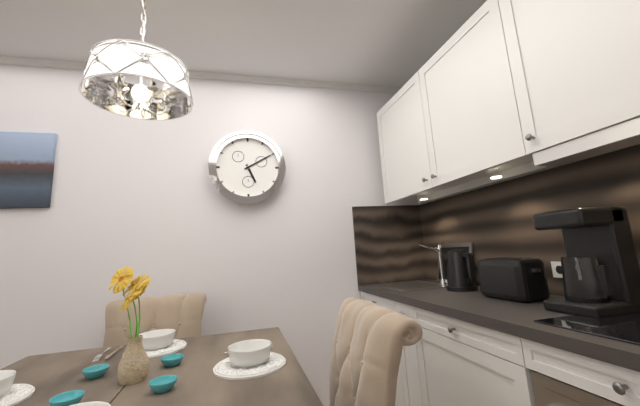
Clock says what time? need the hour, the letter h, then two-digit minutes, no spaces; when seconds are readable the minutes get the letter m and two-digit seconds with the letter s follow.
5h10
